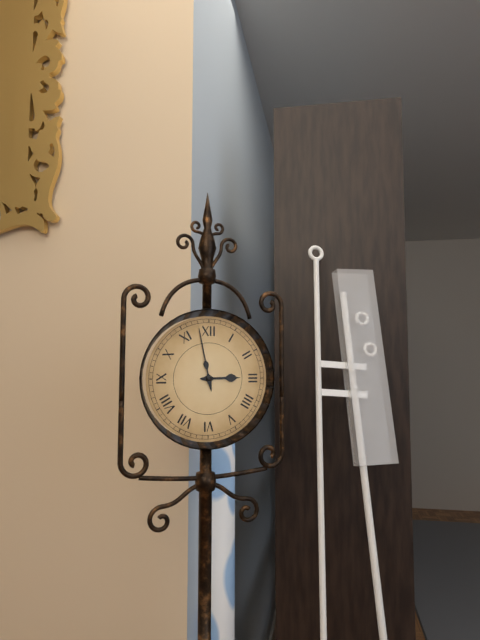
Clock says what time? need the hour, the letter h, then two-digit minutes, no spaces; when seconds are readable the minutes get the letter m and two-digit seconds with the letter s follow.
2h58
